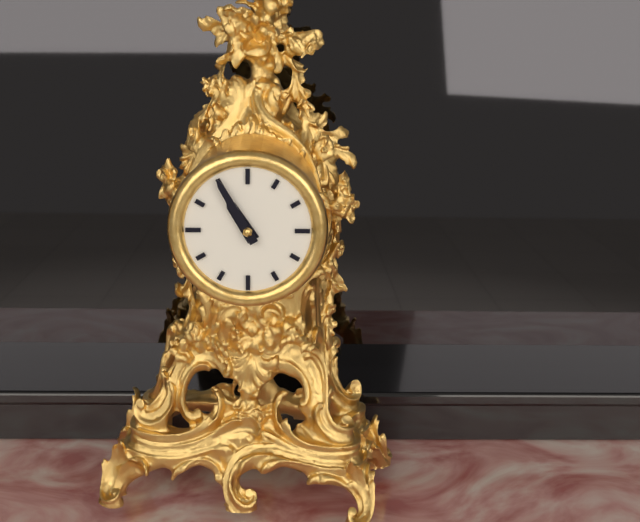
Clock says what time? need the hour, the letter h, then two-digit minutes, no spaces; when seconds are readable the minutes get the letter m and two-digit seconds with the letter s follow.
10h55
